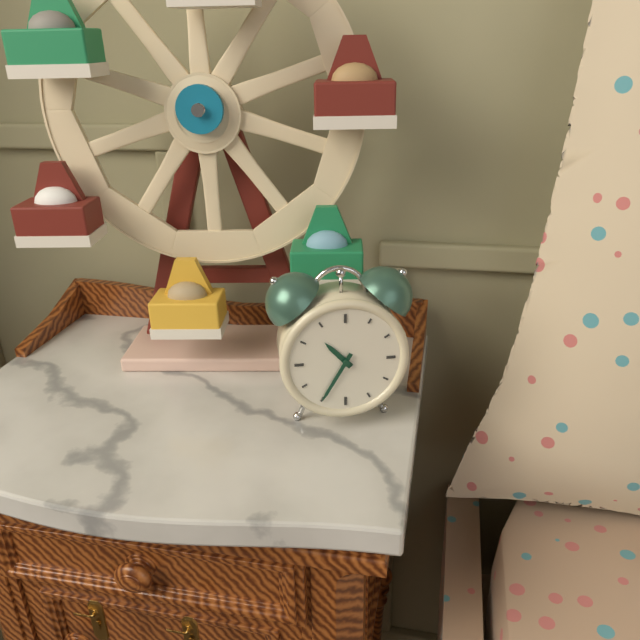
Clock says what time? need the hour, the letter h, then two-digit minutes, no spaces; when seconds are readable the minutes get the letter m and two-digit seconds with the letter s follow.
10h35
